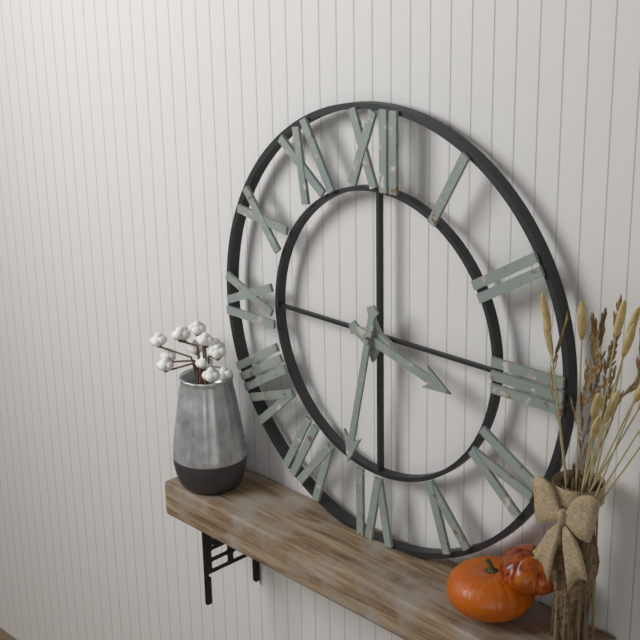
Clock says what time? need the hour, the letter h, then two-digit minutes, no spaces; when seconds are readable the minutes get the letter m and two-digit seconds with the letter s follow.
3h32
